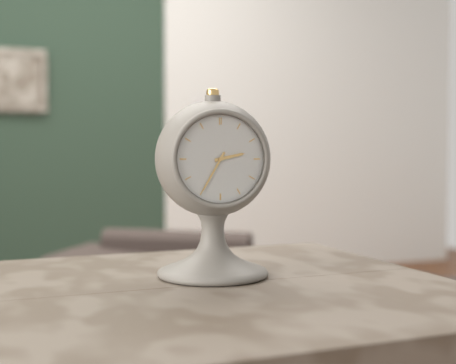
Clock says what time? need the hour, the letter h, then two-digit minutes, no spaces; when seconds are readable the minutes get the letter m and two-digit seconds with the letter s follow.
2h35
